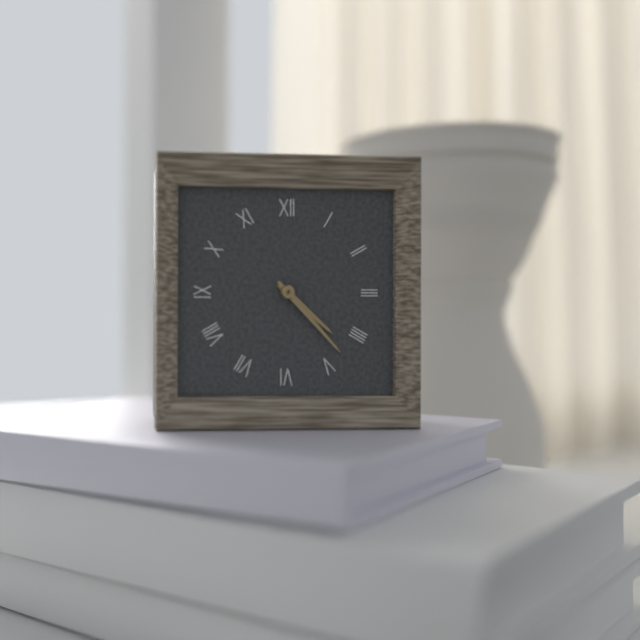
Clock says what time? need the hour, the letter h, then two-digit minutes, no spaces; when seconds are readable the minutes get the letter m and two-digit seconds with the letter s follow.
4h23
